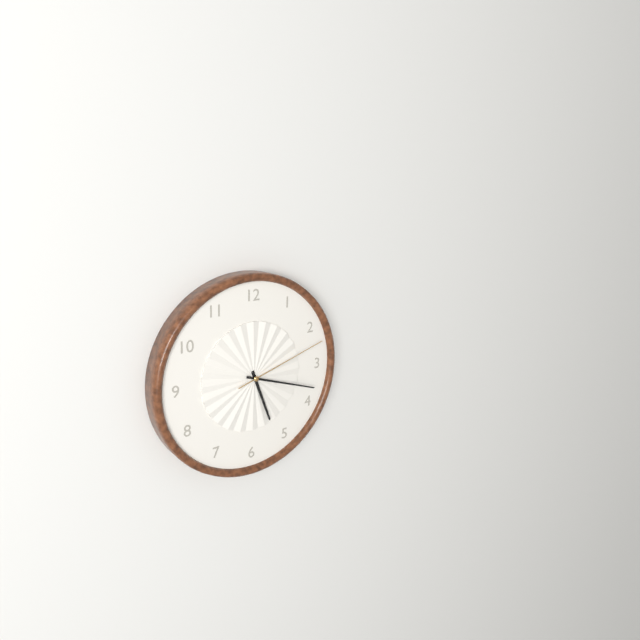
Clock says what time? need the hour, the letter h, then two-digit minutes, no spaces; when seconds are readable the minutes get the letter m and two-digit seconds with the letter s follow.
5h18m12s
